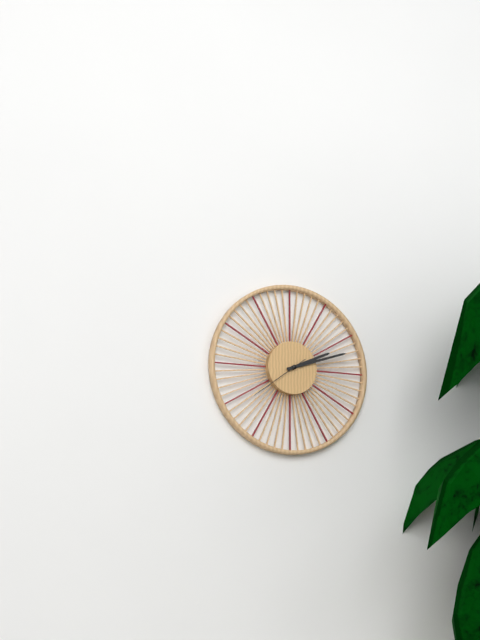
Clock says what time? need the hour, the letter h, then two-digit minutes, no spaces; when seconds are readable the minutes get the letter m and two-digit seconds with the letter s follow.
2h12m39s
